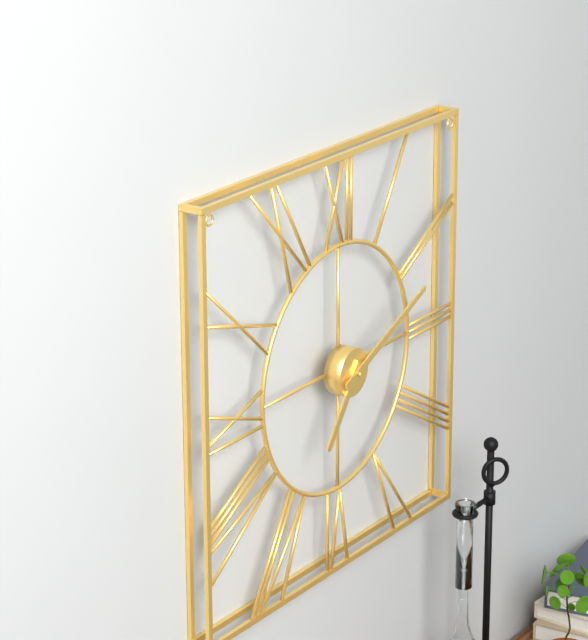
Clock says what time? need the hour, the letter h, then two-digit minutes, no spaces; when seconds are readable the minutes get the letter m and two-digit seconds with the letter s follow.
7h11
